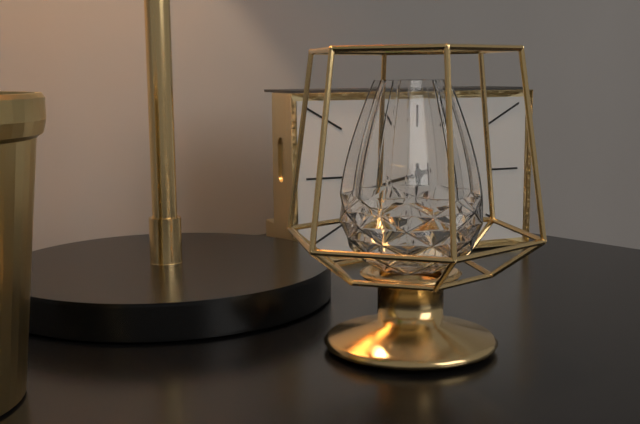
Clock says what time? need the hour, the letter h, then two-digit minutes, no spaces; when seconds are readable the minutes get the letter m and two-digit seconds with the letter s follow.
5h43
